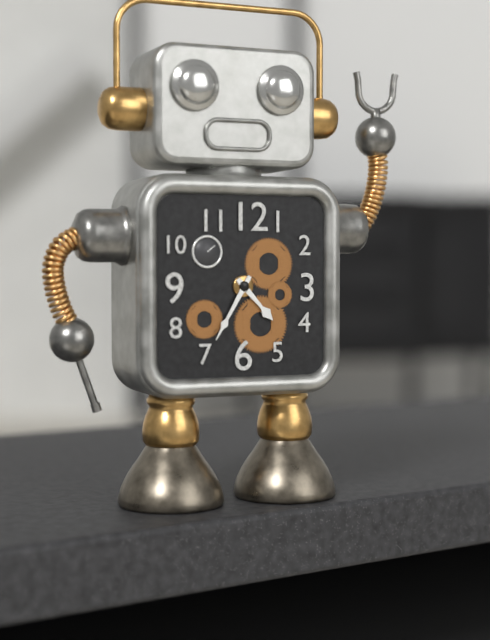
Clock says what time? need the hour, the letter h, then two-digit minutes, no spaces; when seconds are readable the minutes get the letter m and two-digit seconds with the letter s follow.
4h35
